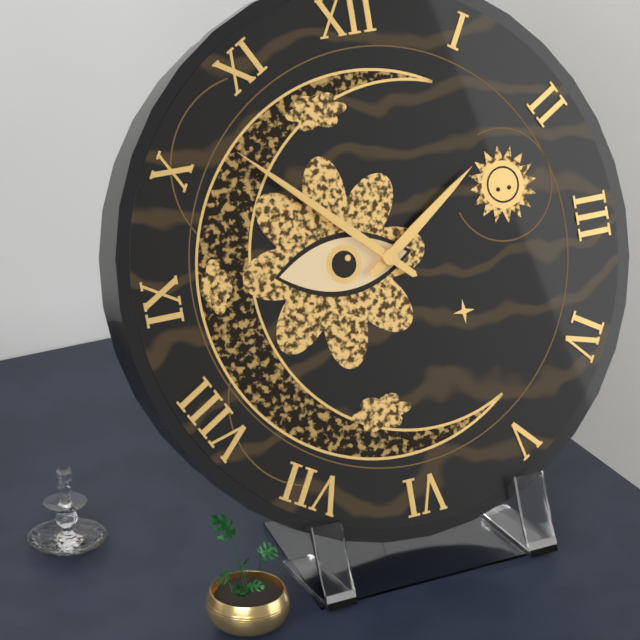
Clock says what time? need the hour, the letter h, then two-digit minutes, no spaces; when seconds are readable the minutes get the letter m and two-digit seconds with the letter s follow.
1h52
